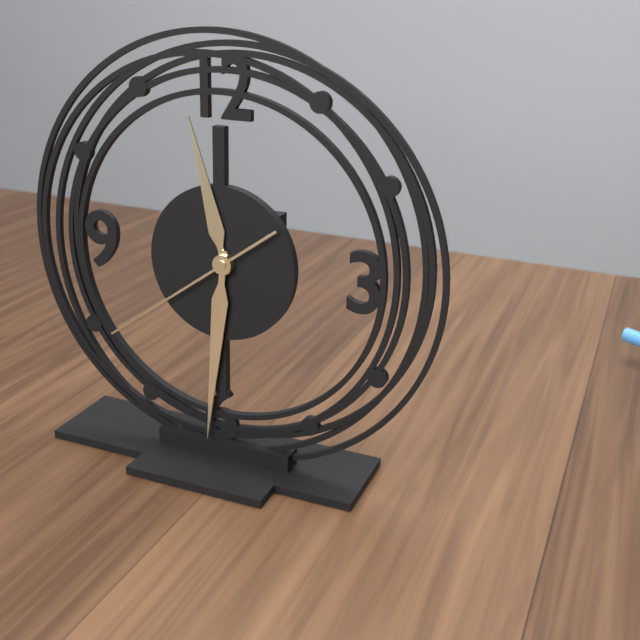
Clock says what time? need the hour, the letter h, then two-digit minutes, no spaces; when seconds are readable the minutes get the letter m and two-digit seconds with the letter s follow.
11h31m39s
